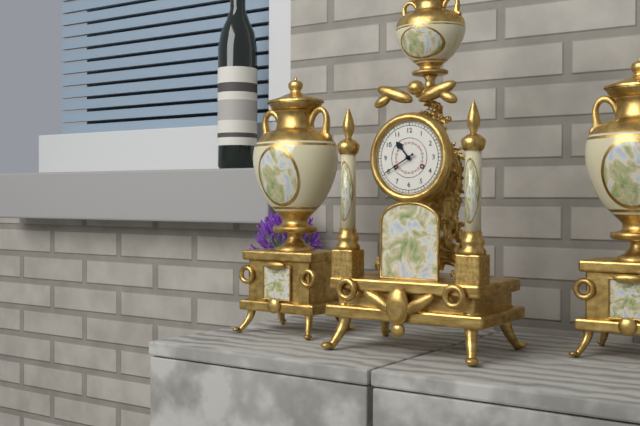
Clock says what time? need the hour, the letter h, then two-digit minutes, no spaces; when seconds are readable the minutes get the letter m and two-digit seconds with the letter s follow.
10h40
